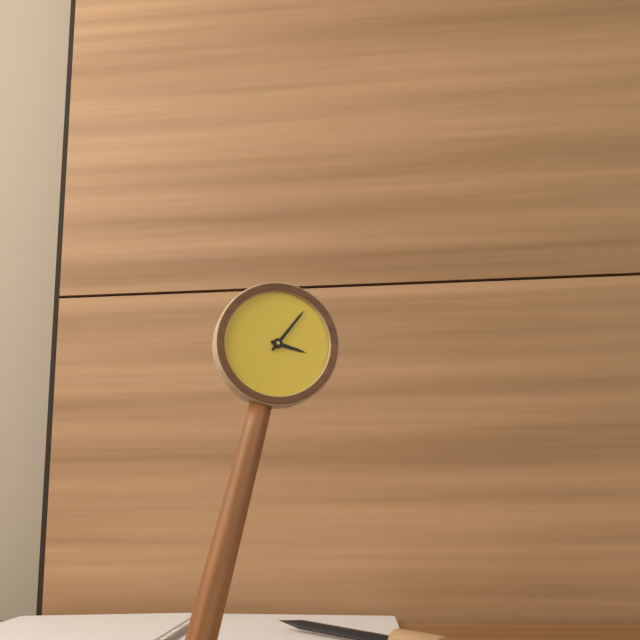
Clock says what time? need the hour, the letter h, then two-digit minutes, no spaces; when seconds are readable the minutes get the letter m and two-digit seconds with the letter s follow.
3h04
